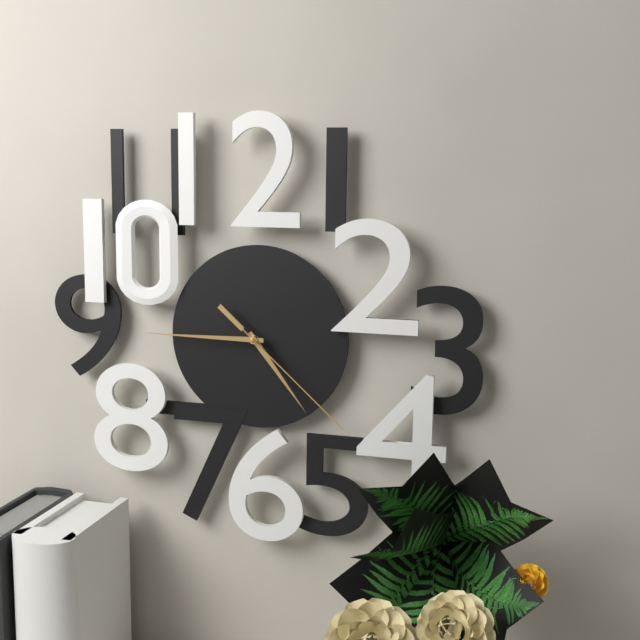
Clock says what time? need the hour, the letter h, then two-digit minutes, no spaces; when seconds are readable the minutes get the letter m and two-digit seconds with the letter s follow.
4h45m22s
